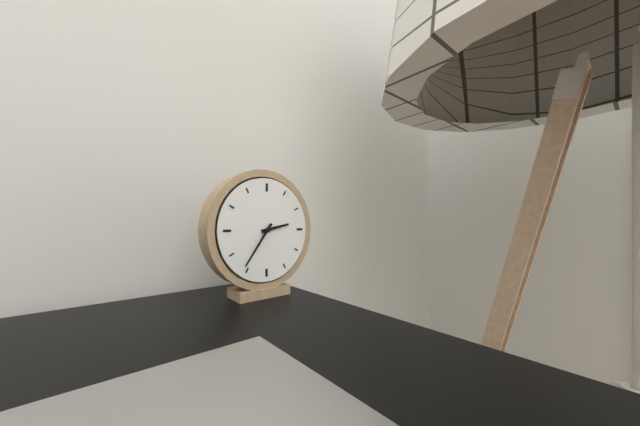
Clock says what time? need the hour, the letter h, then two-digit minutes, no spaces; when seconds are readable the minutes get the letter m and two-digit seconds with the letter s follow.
2h36
